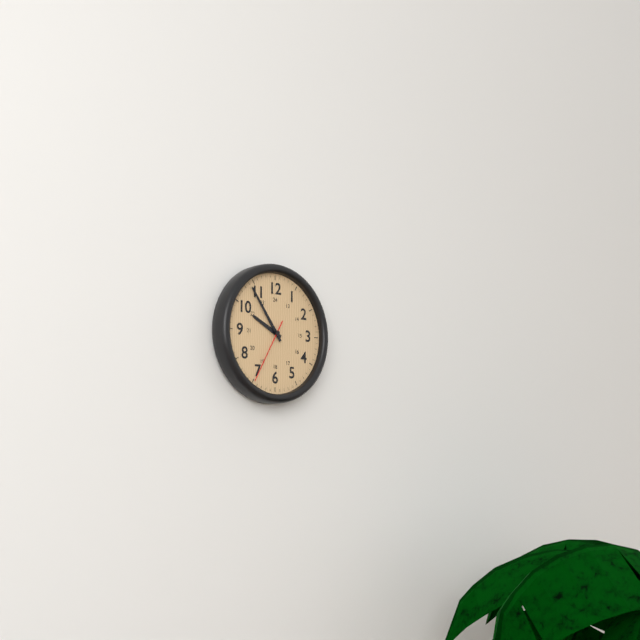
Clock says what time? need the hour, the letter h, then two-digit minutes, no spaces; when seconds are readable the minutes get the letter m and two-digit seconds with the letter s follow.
9h54m35s
